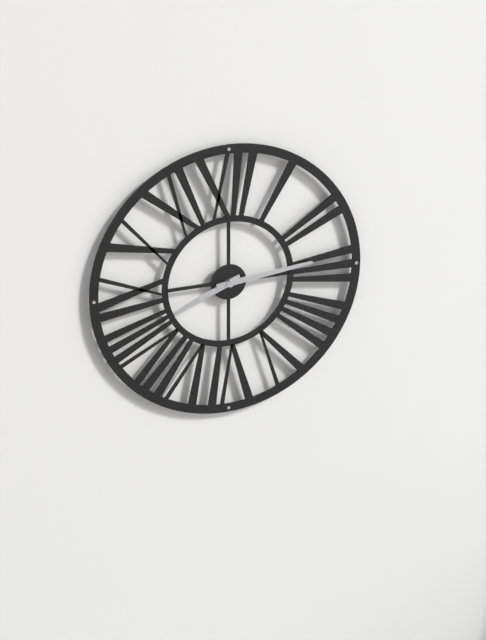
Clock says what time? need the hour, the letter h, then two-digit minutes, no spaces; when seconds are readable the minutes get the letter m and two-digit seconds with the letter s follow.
8h14
